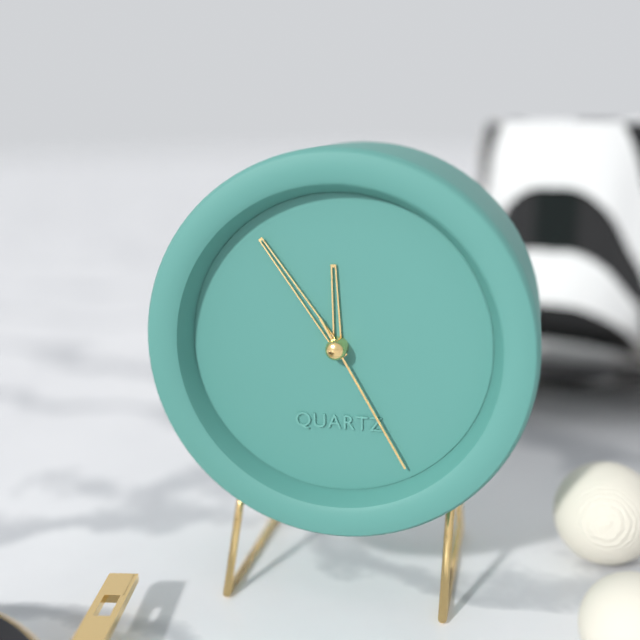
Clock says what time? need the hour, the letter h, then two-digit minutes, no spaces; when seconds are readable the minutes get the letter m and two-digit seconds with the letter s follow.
11h54m25s
